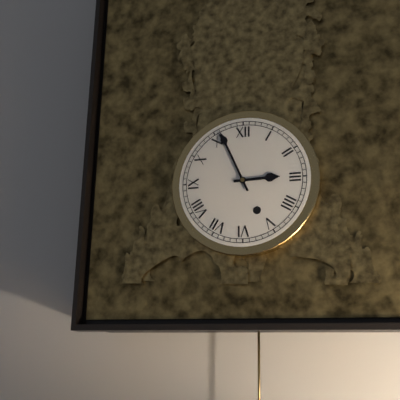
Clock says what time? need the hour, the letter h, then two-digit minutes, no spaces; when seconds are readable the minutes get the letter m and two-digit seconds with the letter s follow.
2h56
